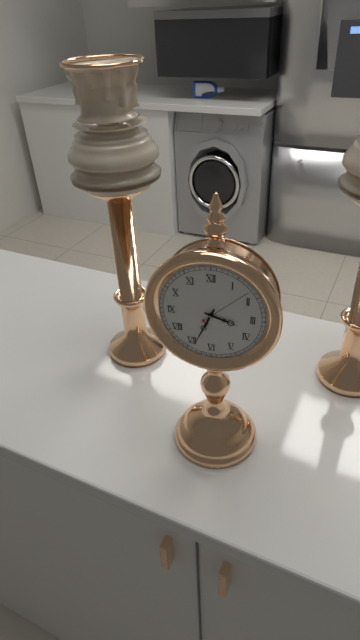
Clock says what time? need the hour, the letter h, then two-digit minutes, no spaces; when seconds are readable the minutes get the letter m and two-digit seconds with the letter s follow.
3h34
